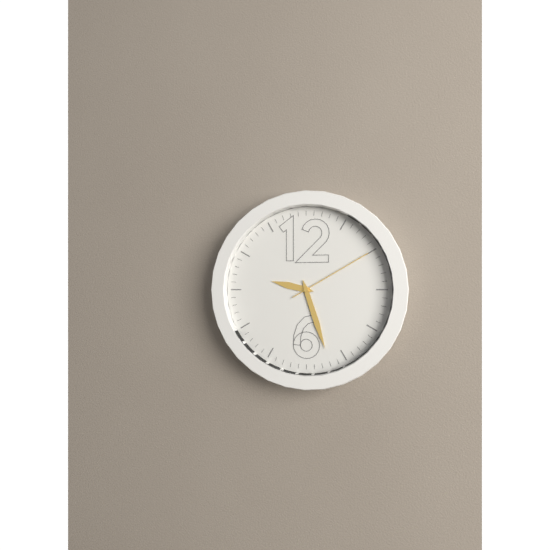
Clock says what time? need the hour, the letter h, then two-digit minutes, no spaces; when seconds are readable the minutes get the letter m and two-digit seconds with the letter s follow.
9h27m10s
